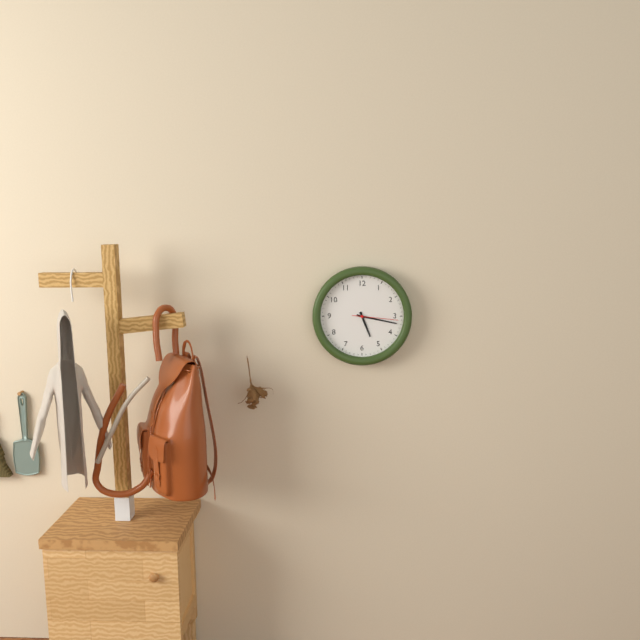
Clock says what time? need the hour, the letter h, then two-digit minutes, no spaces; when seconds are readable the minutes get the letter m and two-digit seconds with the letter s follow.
5h17
